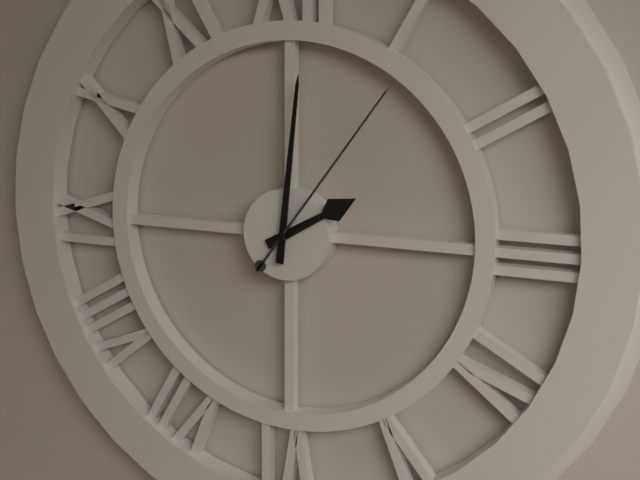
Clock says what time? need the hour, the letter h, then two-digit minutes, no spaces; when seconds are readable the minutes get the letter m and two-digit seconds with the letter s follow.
2h01m06s
